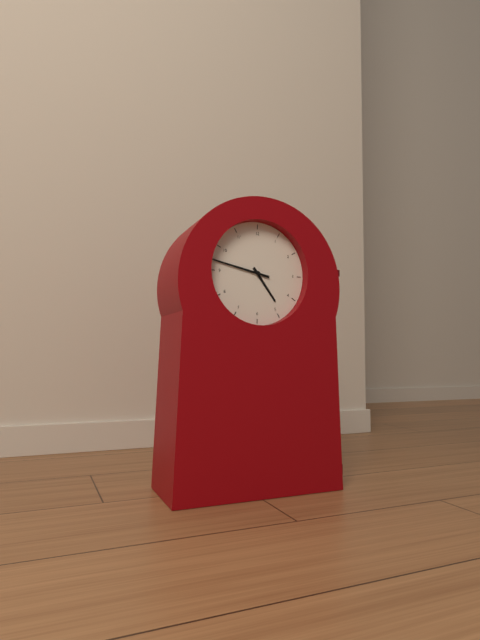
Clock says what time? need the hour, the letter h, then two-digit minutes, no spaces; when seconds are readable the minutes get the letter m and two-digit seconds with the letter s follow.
4h47
